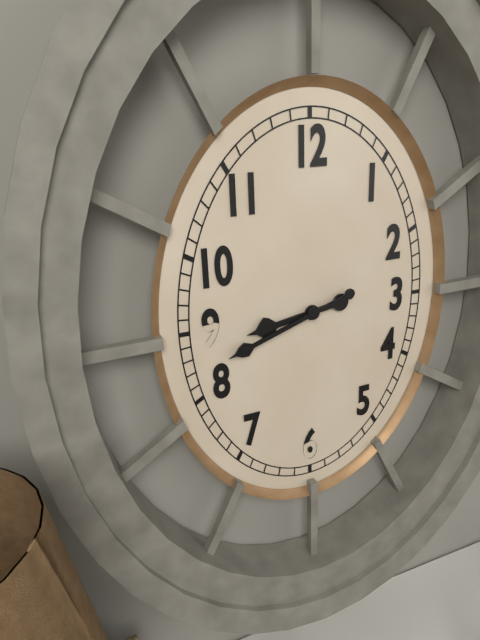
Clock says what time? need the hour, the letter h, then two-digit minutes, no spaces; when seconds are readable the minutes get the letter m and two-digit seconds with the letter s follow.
8h42
